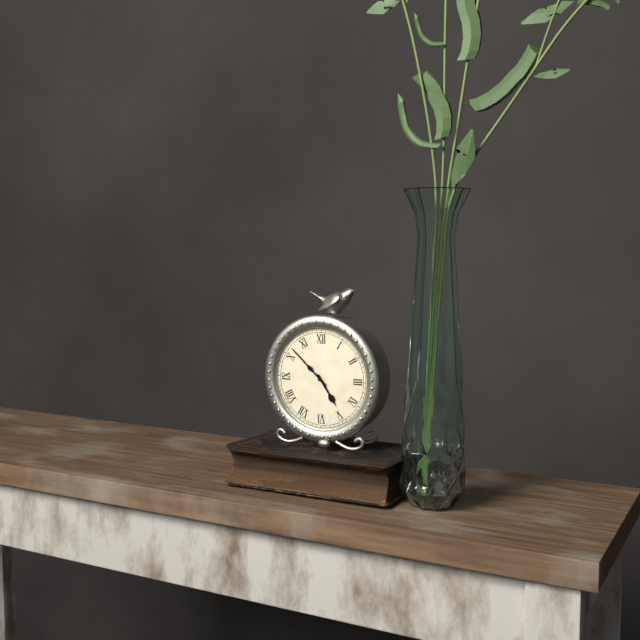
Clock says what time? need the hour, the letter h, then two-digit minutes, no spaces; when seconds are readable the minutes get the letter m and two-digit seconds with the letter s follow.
4h52
